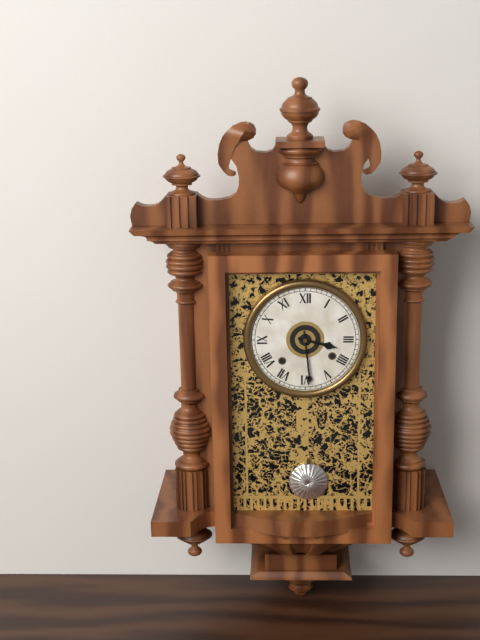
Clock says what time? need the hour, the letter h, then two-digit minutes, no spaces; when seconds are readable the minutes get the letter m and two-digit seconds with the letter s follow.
3h29
